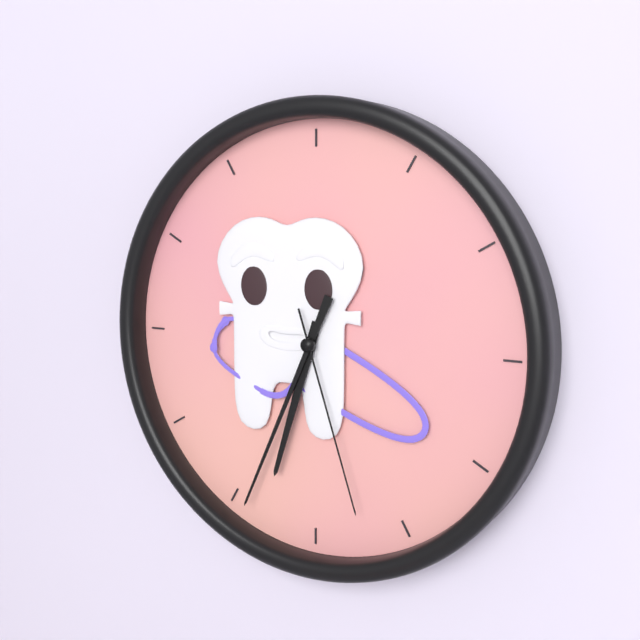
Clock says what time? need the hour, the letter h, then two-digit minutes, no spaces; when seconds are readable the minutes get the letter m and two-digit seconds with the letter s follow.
6h34m27s
